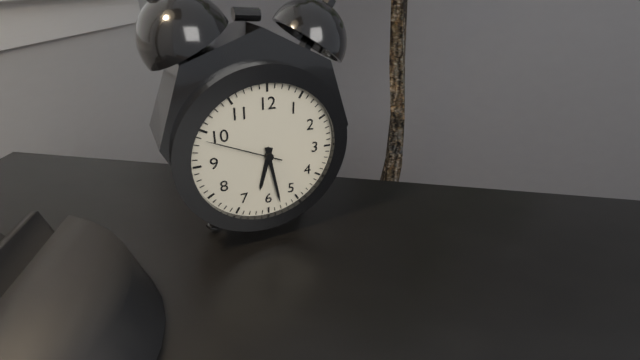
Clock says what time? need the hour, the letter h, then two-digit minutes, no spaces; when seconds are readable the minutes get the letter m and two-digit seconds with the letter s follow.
6h28m49s
